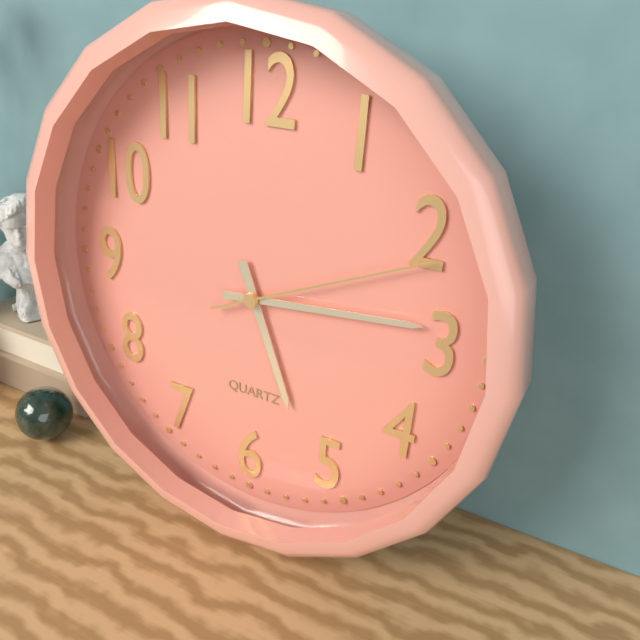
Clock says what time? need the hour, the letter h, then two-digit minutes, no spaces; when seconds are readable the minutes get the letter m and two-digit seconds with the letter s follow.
5h14m11s
